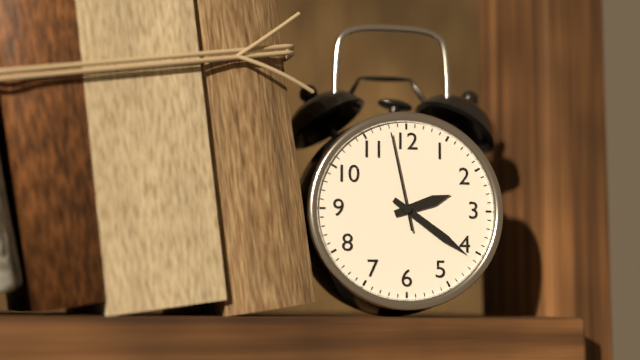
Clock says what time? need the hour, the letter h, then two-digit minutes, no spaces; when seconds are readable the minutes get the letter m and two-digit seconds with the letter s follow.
2h21m58s
